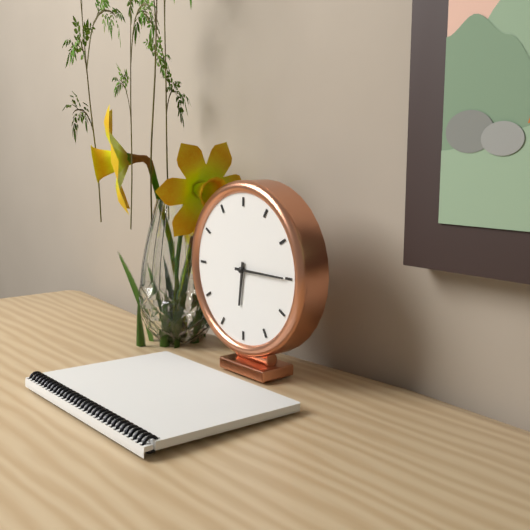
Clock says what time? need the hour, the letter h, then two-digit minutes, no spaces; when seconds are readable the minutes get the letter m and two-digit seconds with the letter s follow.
6h15
